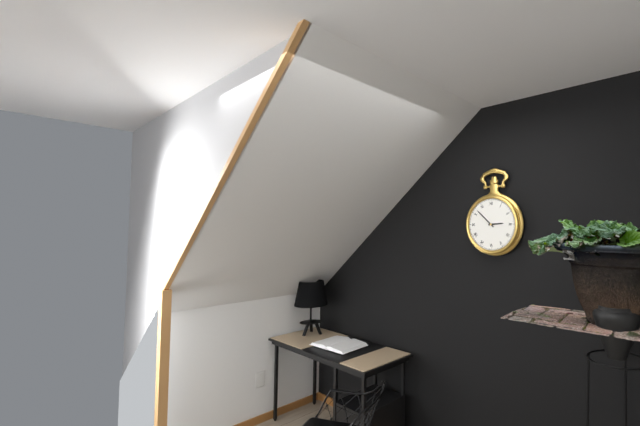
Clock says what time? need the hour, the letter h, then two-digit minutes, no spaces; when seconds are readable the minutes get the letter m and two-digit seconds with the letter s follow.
2h52
